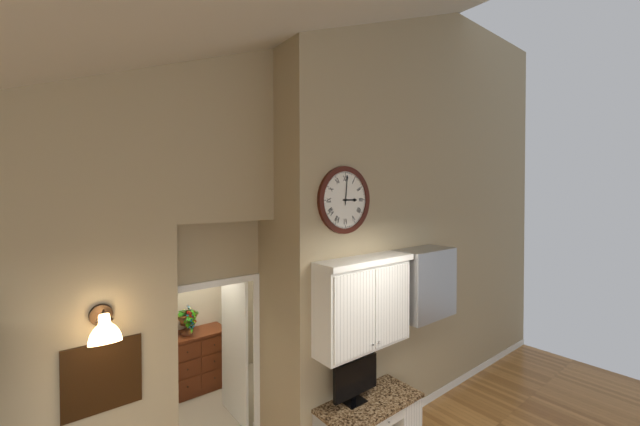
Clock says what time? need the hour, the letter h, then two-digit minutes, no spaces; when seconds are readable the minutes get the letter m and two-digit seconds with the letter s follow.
3h01
